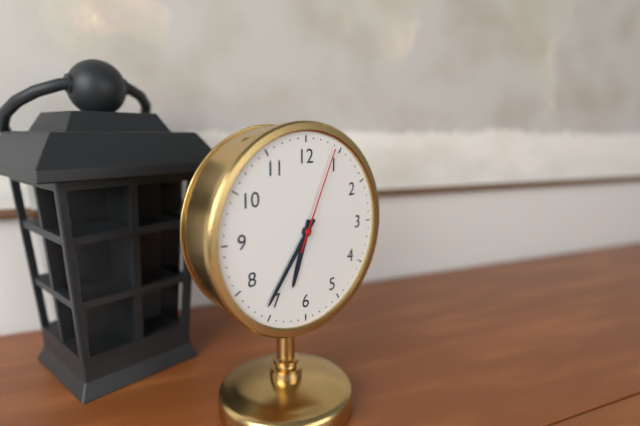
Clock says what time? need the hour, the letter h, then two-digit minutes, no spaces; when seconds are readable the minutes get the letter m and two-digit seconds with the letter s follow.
6h36m04s
